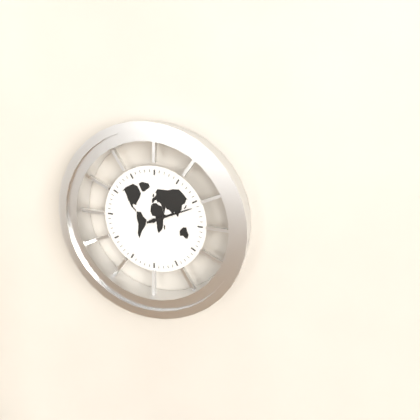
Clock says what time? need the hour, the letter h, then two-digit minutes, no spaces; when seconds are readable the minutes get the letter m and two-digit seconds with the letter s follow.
2h11
